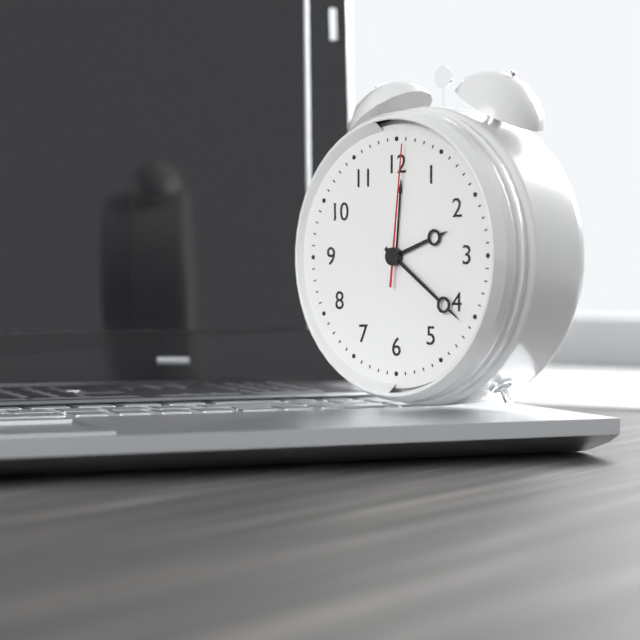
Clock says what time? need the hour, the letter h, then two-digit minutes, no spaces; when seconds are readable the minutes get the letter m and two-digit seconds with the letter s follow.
2h21m01s
